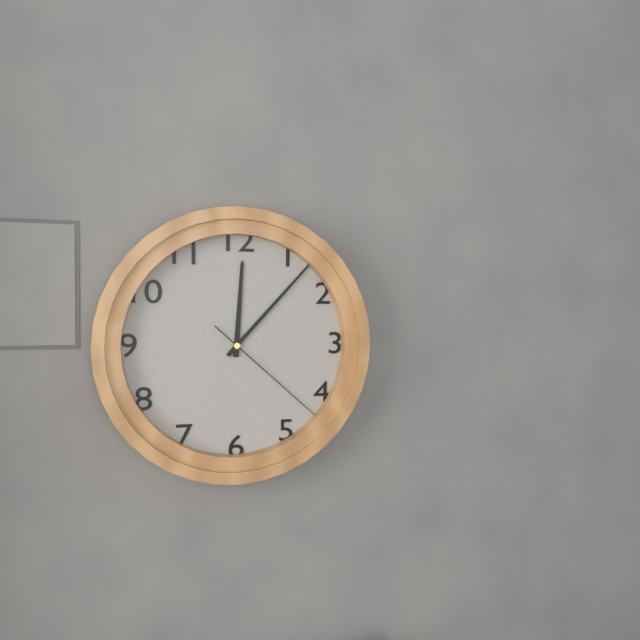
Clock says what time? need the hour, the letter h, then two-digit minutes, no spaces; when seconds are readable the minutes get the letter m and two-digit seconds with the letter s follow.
12h07m22s
